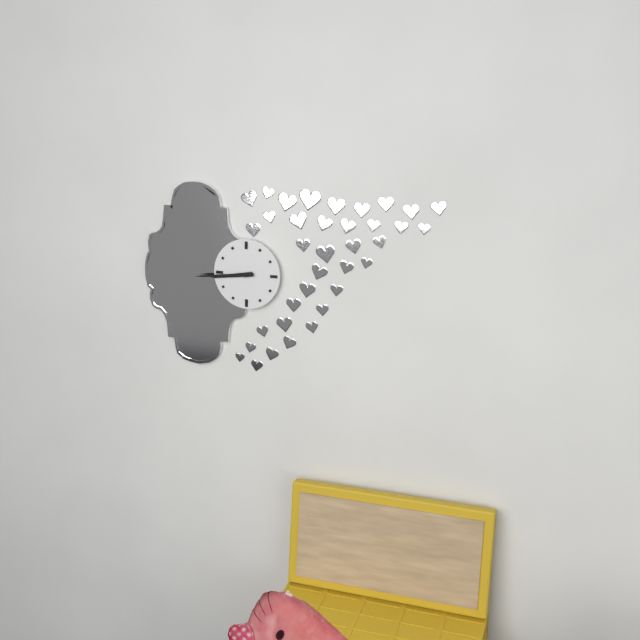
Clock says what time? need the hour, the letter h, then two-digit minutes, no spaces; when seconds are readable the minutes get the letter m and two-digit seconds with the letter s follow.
8h44
